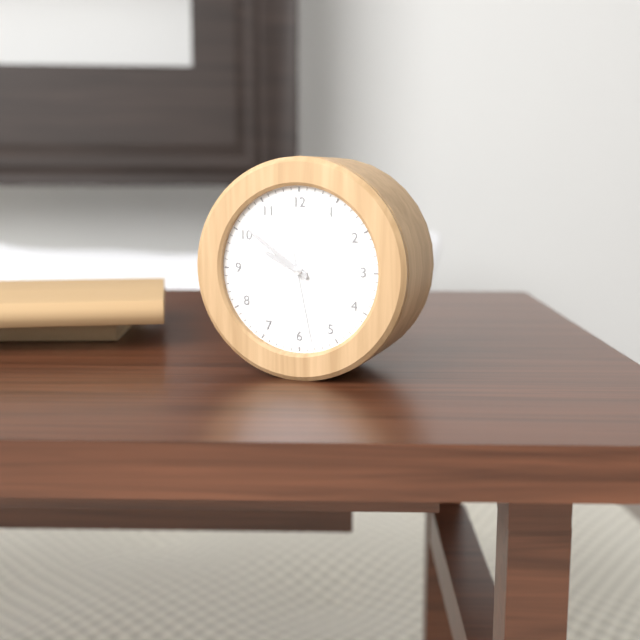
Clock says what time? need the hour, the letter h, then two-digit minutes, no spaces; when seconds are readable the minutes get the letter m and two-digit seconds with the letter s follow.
9h51m28s
